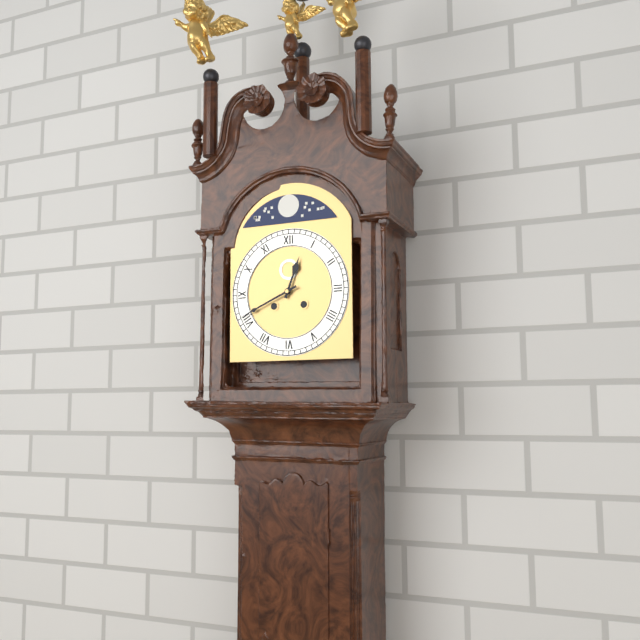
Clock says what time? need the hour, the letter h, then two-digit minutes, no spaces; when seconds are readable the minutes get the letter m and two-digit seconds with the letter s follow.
12h41
